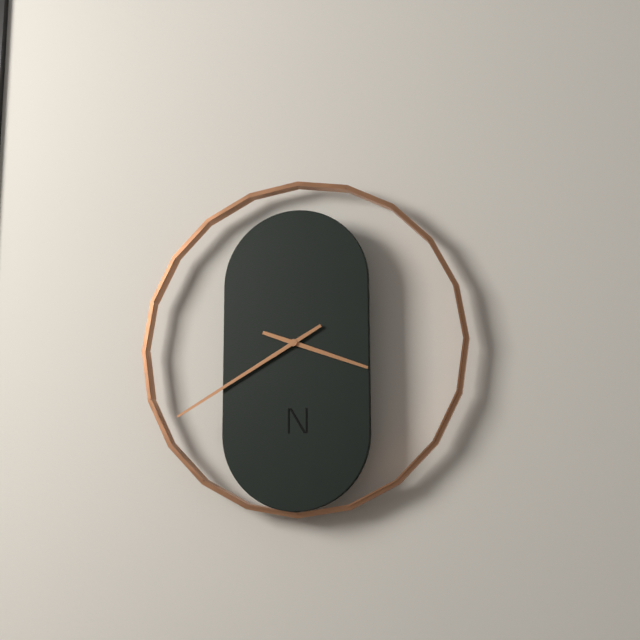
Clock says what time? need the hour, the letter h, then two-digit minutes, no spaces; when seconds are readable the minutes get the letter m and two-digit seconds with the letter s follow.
3h40
